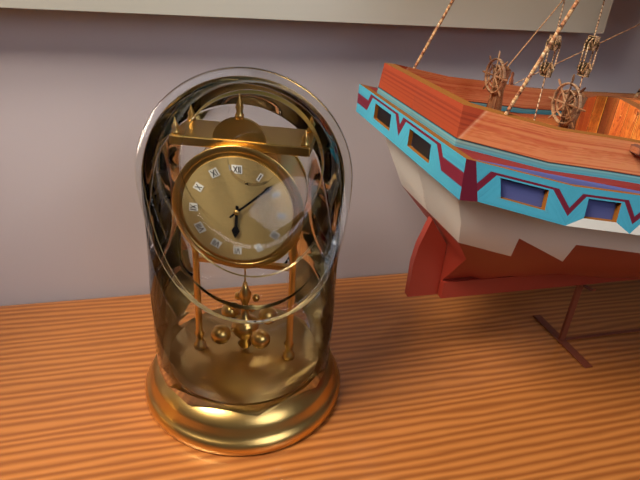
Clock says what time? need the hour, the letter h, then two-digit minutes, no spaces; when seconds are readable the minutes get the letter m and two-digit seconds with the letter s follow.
6h08
